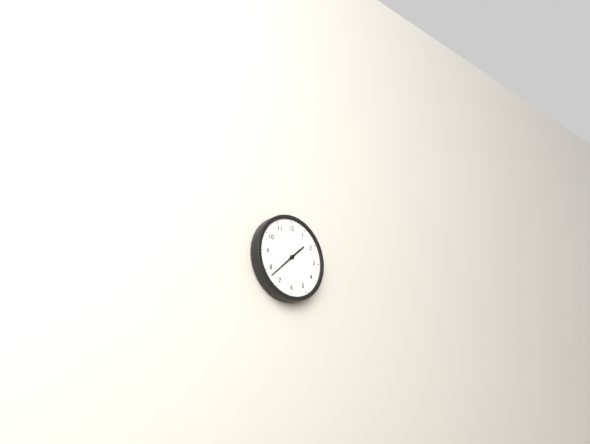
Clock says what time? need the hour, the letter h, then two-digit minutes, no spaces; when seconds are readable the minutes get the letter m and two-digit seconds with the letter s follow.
1h38
